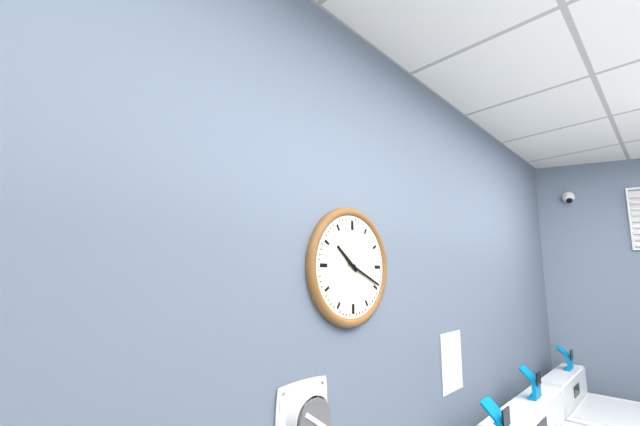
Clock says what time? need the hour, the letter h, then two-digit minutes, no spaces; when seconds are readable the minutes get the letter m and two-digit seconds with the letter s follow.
10h19
